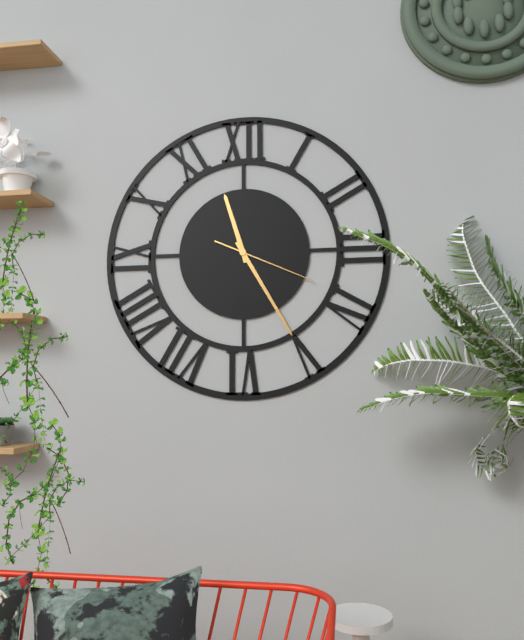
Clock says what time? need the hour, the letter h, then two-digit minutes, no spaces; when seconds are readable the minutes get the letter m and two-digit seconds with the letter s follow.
11h25m19s
